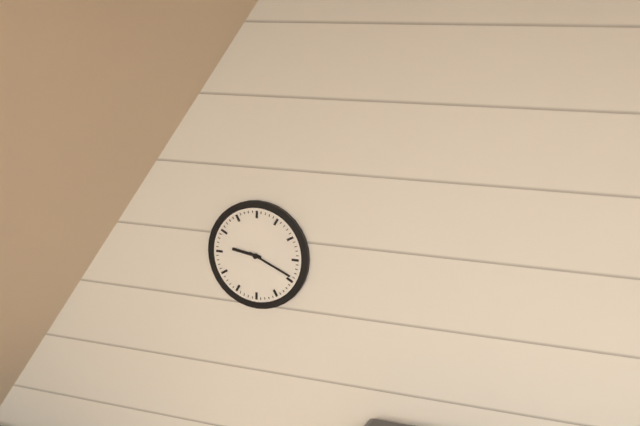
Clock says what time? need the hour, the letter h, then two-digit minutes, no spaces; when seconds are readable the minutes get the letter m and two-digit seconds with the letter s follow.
9h19
